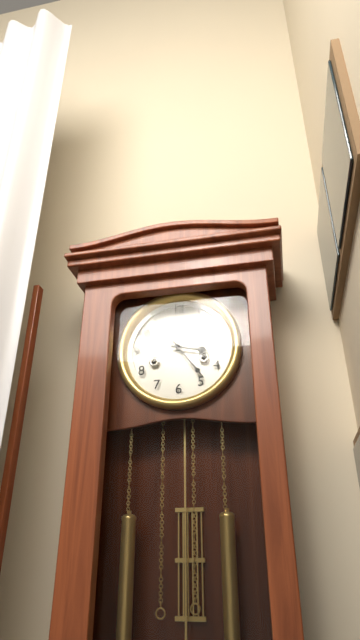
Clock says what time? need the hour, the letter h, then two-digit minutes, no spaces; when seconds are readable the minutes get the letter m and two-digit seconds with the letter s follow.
3h24
